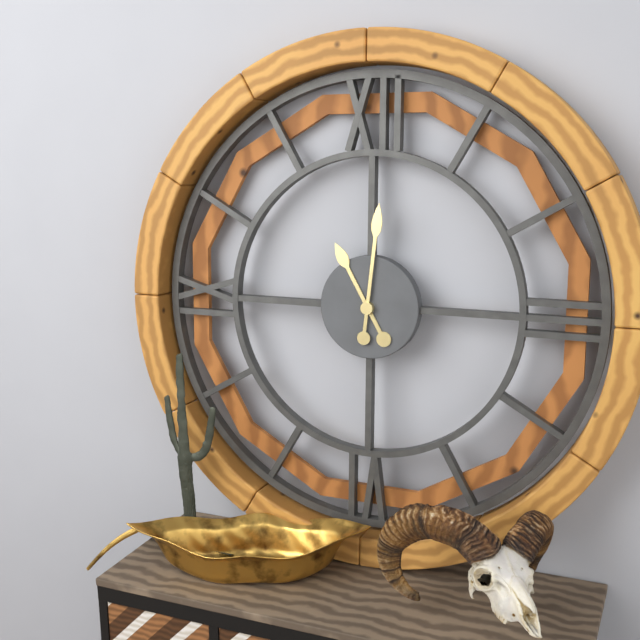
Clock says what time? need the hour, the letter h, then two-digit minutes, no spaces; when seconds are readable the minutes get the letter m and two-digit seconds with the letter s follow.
11h01
